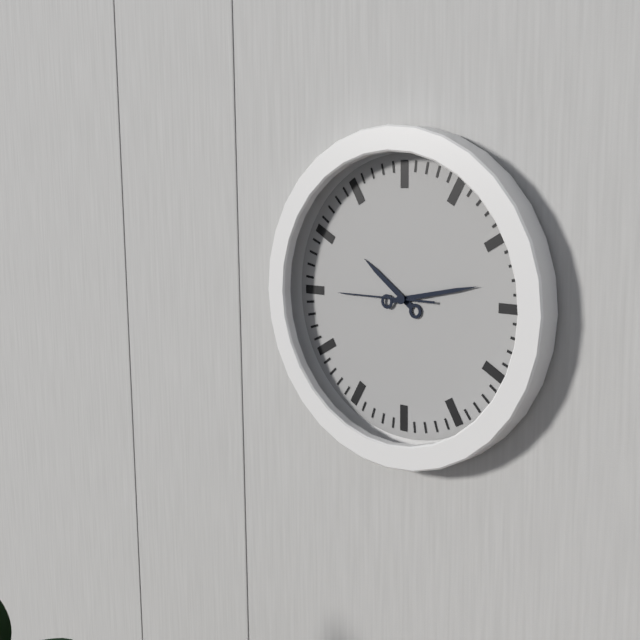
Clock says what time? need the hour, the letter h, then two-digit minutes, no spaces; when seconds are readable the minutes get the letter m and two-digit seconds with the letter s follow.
10h13m45s
